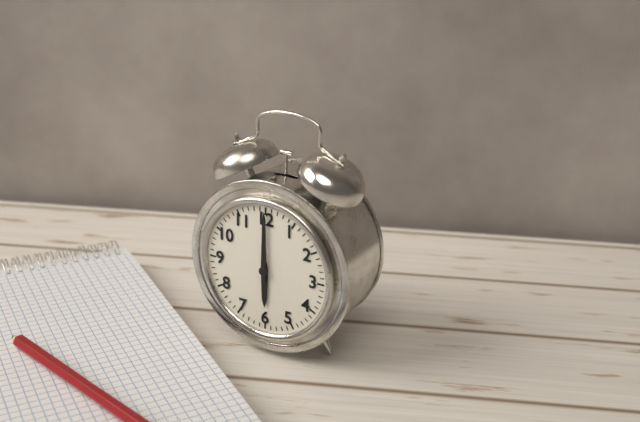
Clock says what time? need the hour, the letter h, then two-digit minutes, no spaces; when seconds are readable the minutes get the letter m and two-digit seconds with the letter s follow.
6h00
